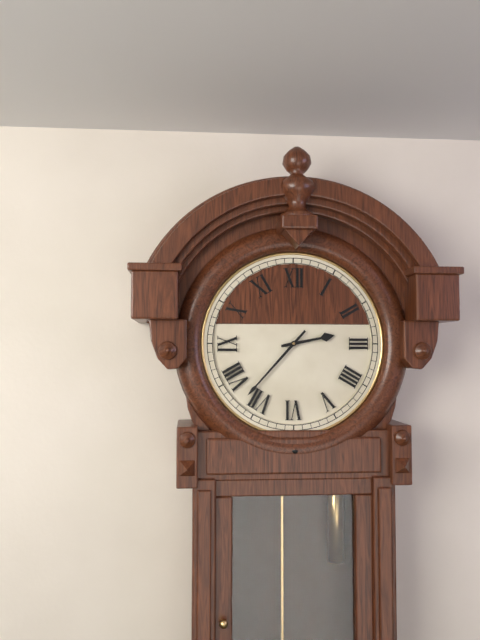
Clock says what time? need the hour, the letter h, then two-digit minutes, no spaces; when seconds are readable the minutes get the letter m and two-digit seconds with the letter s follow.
2h37
